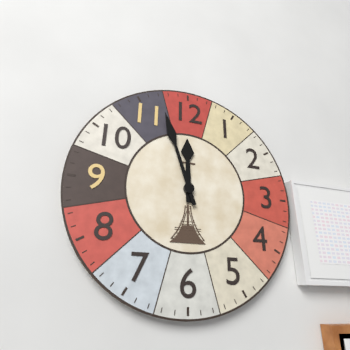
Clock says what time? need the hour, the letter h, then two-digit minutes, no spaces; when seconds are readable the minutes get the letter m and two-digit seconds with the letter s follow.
11h57
